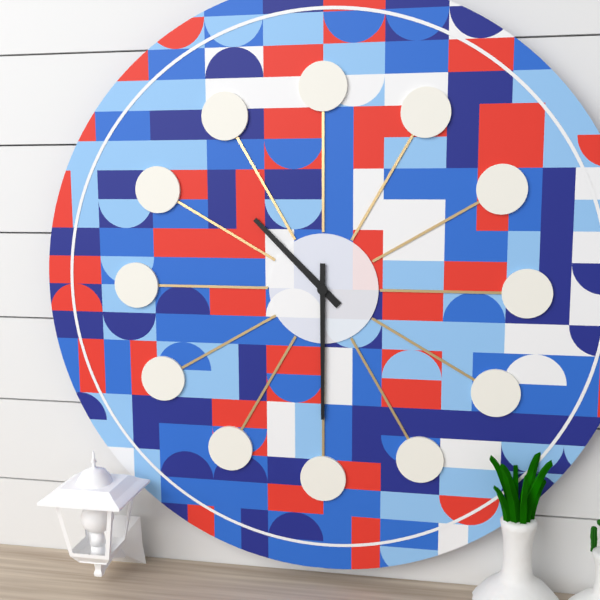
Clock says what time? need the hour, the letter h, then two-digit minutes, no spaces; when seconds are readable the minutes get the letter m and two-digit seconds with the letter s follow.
10h30
